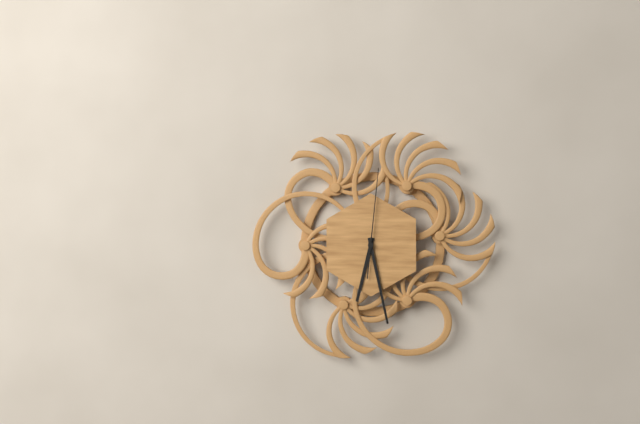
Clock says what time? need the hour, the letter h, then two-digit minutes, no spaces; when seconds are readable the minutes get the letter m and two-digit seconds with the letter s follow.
6h28m01s
